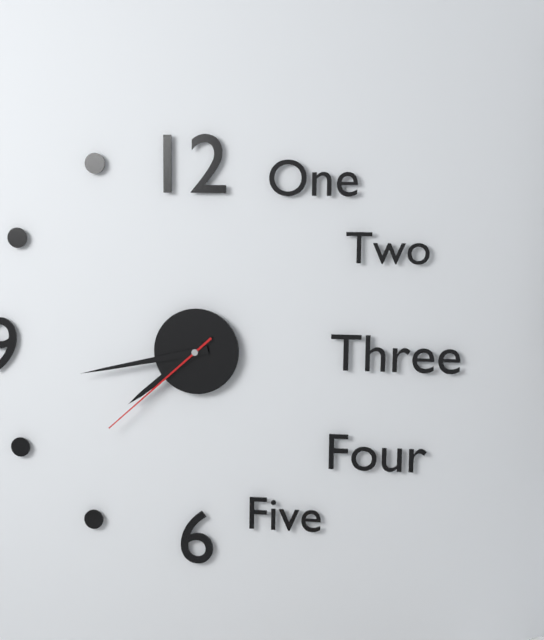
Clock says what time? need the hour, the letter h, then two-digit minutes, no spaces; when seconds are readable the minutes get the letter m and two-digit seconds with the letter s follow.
7h43m38s
